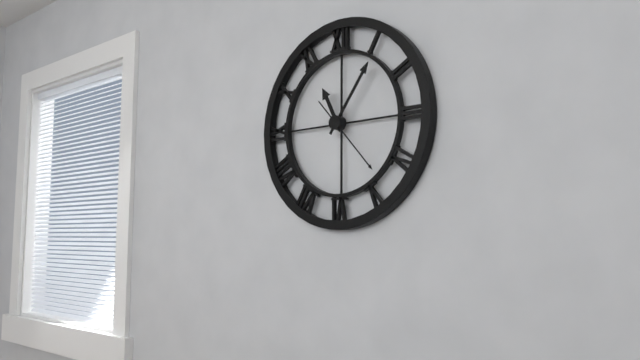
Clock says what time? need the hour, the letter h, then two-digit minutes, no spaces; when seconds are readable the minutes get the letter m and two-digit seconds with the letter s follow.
11h06m23s
